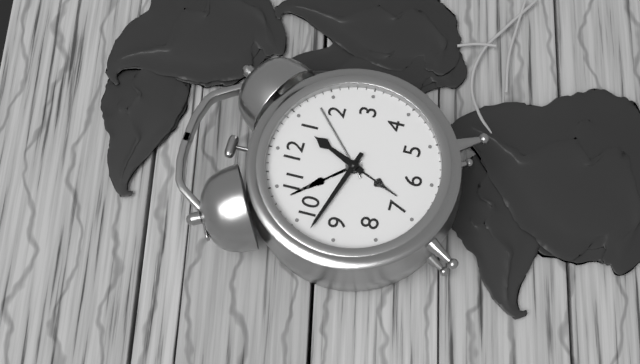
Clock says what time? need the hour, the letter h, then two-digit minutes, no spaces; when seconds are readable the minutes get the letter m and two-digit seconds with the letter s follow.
12h48
